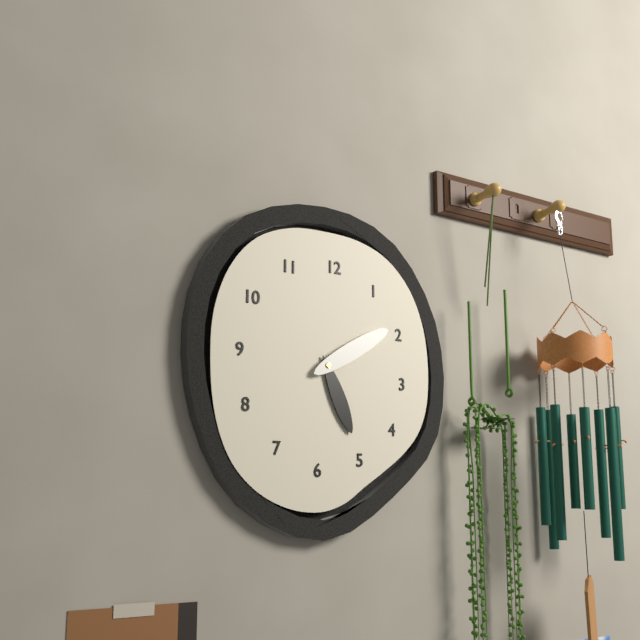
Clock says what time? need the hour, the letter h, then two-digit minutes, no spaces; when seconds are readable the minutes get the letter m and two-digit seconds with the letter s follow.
5h10
